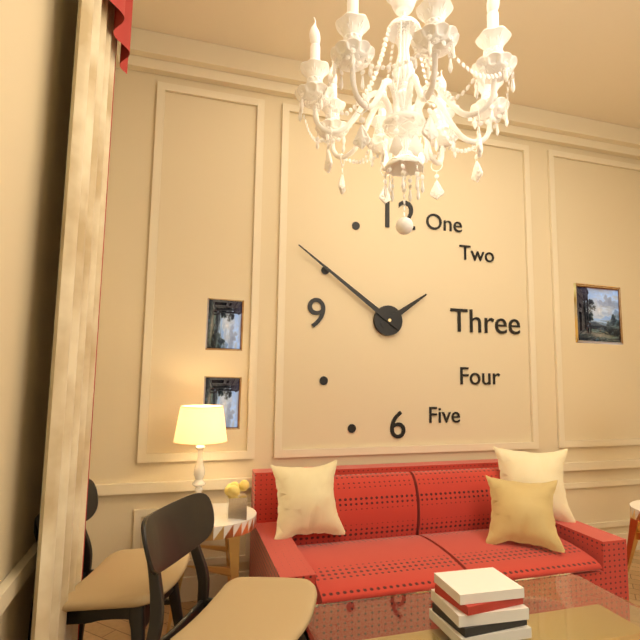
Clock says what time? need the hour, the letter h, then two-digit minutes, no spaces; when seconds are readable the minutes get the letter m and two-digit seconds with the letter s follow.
1h51
